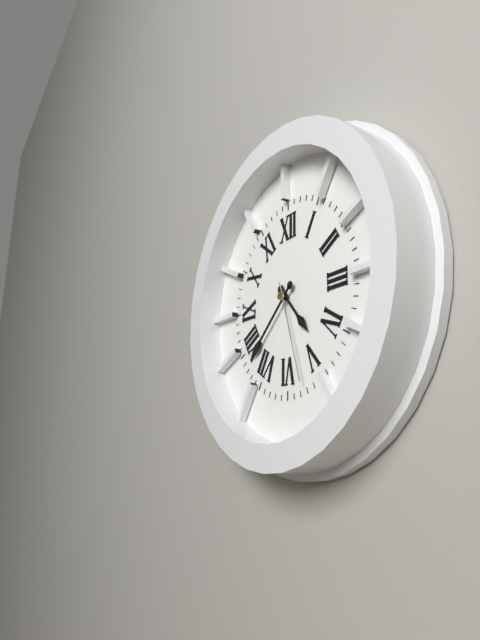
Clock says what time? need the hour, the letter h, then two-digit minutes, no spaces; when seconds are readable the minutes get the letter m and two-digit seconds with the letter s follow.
4h38m27s
